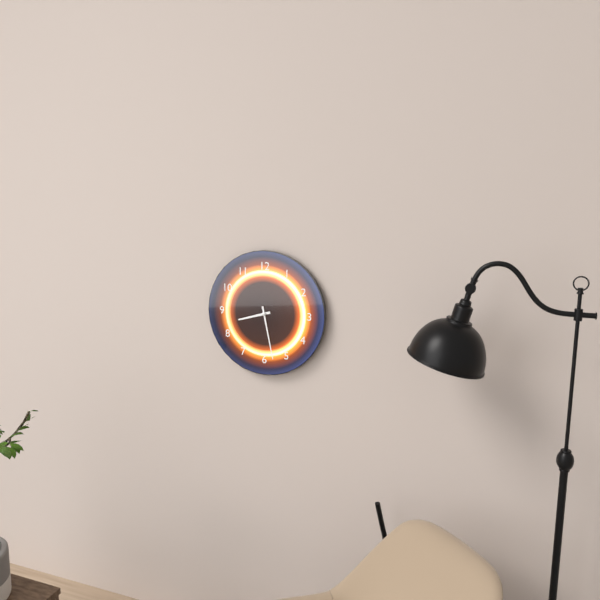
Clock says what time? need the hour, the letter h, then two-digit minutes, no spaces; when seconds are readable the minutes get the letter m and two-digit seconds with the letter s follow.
8h28
